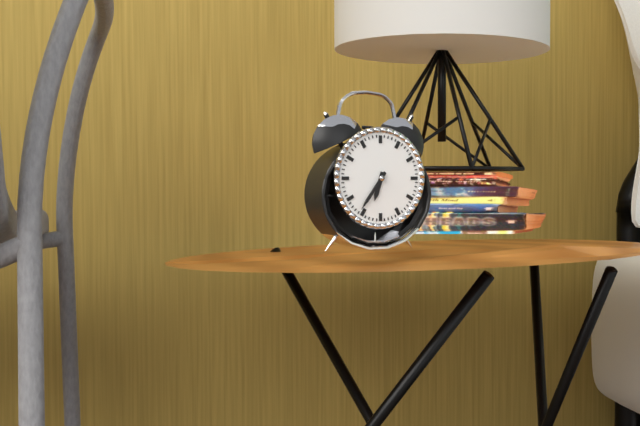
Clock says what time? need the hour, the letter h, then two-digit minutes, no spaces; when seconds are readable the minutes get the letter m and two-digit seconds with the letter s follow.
6h36
